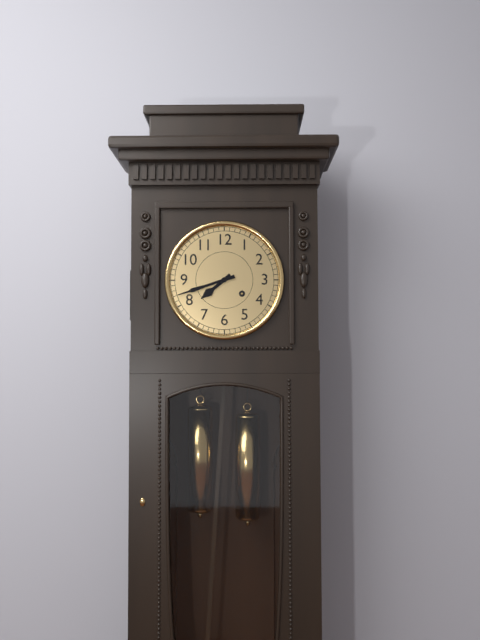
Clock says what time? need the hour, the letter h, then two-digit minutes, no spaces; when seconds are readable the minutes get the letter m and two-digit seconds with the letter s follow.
7h42
